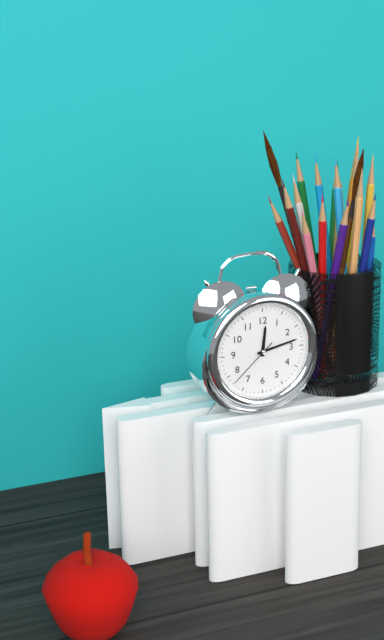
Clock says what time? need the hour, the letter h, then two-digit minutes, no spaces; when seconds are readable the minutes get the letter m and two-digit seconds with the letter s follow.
12h13m38s
